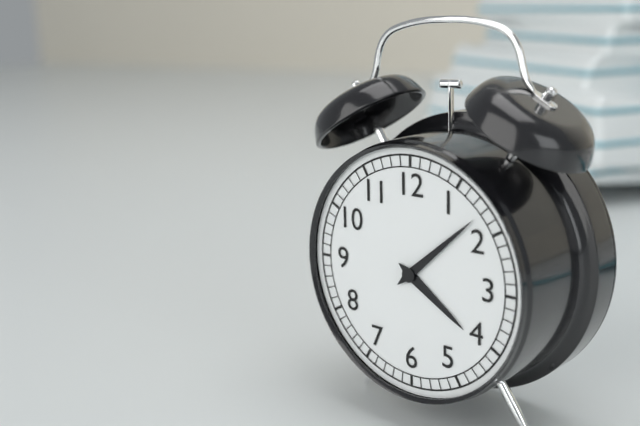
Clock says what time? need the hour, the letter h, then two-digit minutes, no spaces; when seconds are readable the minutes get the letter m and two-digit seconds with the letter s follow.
4h08
